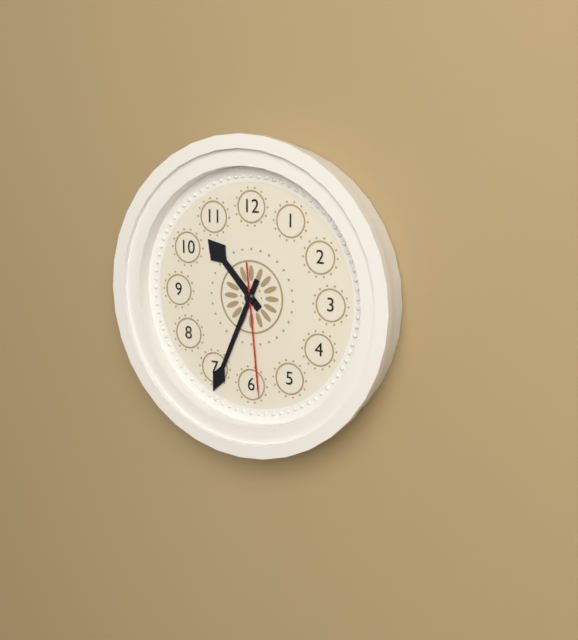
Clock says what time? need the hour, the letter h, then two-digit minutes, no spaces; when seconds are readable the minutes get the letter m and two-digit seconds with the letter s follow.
10h34m29s
